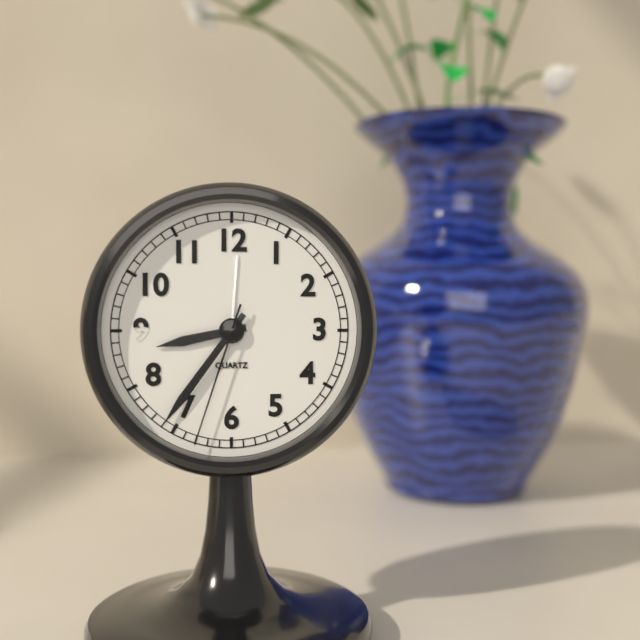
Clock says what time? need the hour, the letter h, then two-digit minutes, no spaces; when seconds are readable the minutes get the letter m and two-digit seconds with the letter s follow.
8h36m33s
